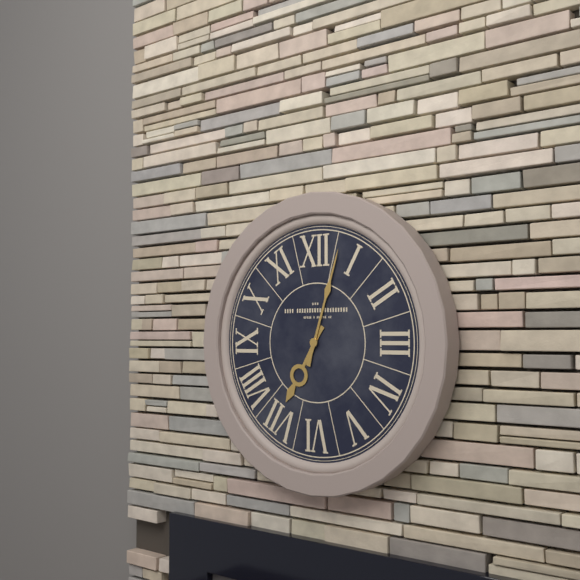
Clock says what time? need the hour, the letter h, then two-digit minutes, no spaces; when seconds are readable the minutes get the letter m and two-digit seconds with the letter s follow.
7h03
